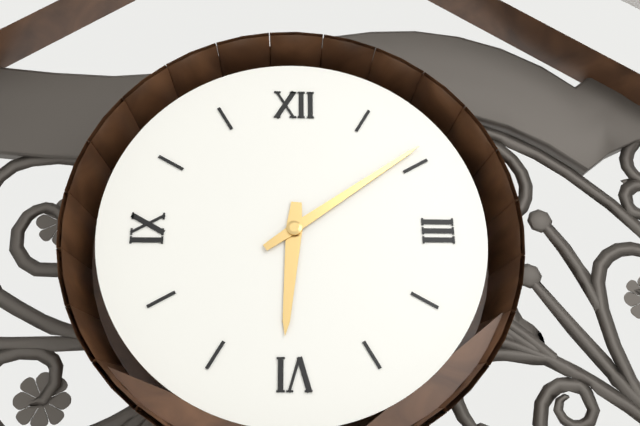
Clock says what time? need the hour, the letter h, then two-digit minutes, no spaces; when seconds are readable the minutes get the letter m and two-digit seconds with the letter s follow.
6h09
